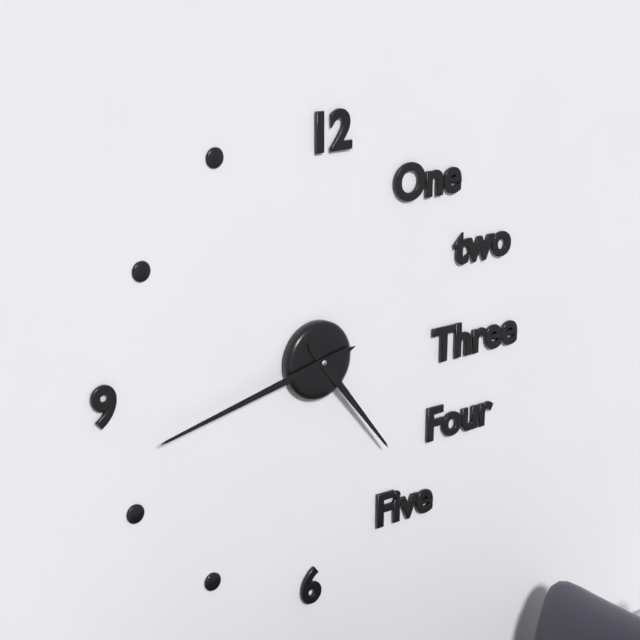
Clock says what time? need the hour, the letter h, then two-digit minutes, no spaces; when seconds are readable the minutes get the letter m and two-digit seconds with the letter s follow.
4h43
